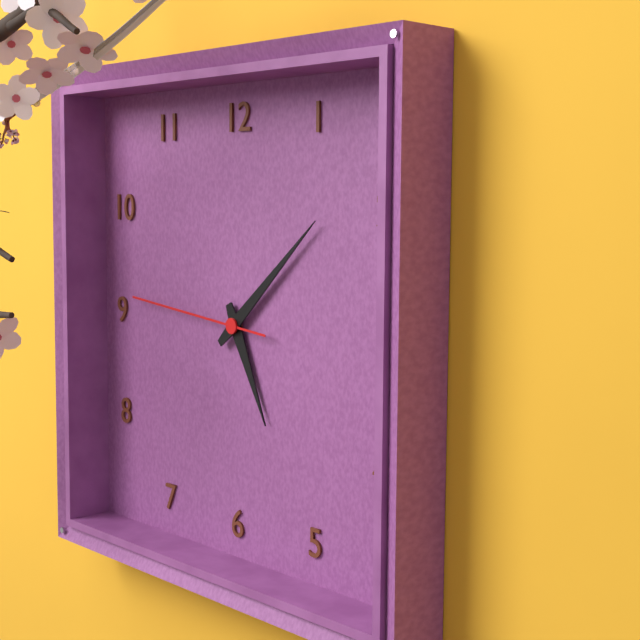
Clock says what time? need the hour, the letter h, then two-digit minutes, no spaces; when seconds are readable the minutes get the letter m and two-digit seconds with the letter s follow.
5h08m46s
